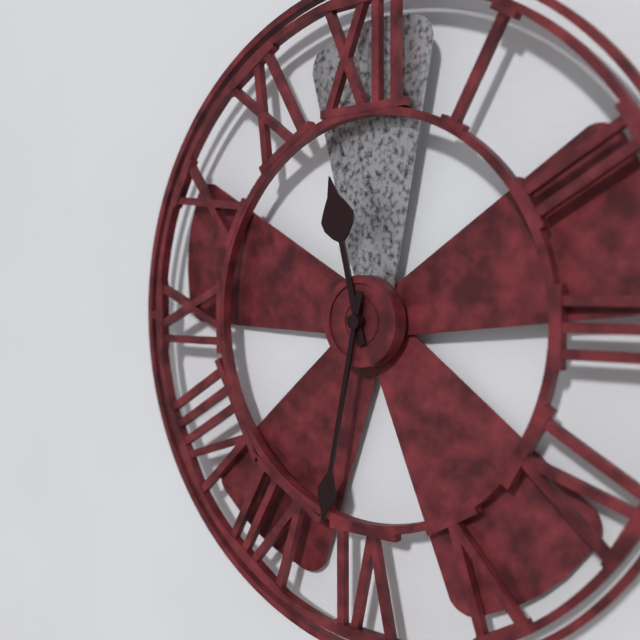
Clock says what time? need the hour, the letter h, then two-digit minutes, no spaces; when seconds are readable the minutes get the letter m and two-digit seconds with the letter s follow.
11h32
